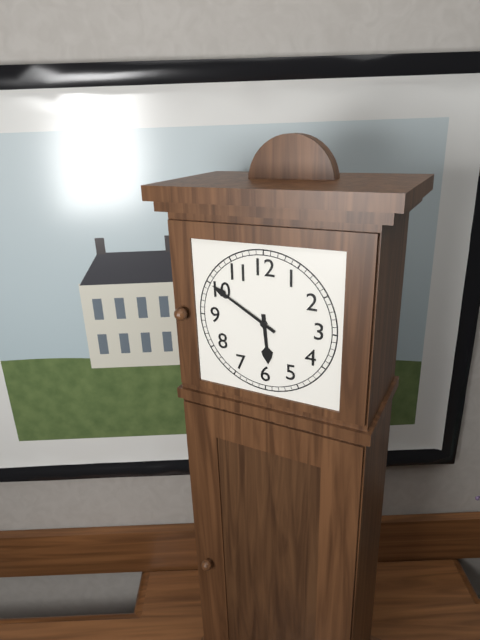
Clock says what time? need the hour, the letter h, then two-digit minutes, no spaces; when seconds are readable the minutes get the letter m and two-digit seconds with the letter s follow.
5h50
